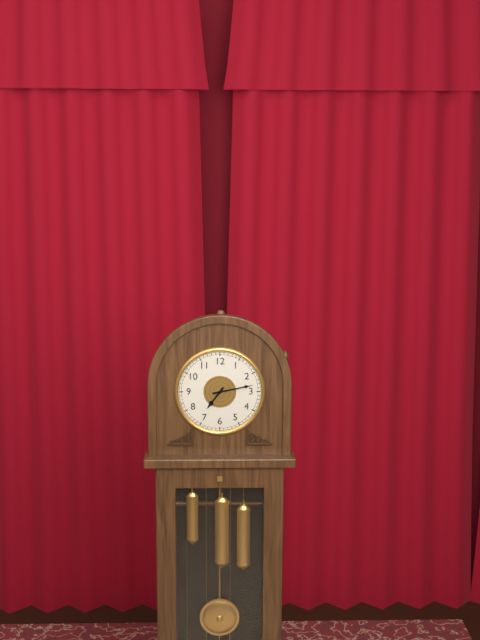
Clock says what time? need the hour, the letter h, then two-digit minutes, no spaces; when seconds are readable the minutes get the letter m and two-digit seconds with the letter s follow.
7h13
